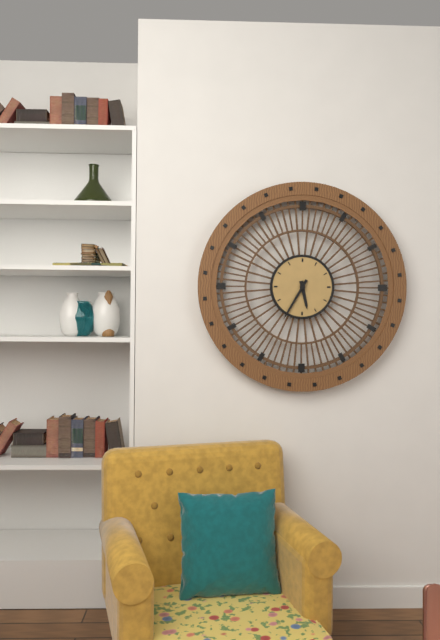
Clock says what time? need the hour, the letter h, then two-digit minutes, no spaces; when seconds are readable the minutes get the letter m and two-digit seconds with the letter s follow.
5h35
